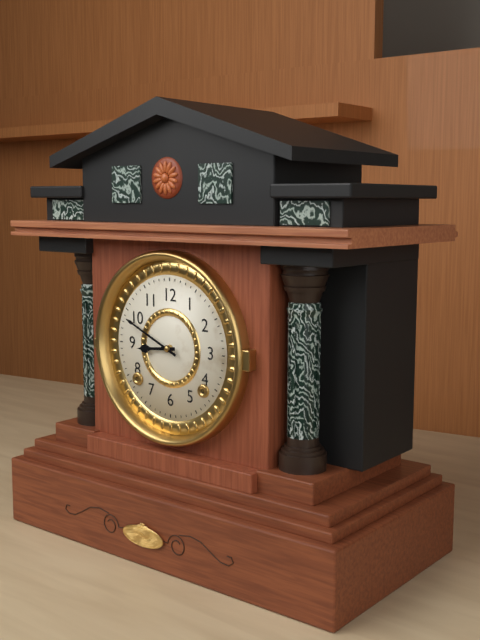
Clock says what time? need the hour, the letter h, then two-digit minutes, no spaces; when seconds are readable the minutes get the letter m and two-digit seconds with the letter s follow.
8h49
